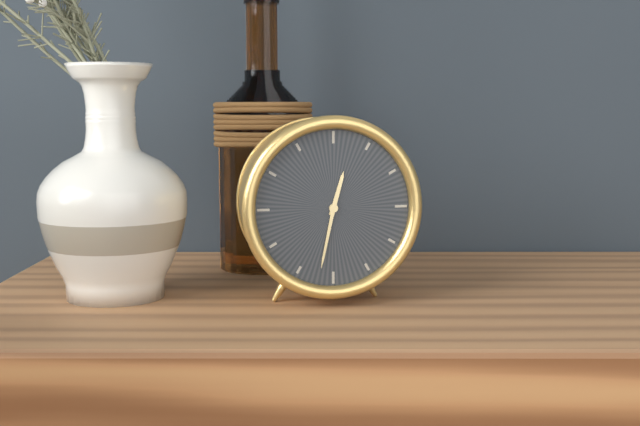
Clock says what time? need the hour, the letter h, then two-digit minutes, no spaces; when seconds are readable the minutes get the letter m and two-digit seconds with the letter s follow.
12h32
